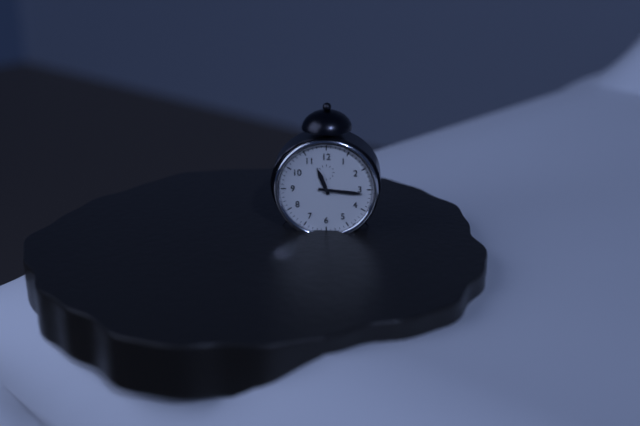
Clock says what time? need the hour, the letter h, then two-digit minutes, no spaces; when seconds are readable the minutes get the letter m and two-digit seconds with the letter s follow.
11h16
